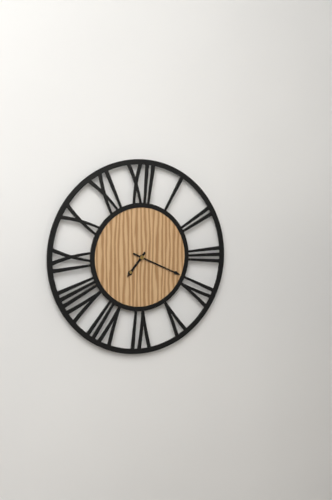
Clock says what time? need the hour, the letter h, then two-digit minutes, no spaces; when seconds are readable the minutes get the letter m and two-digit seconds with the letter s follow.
7h19
